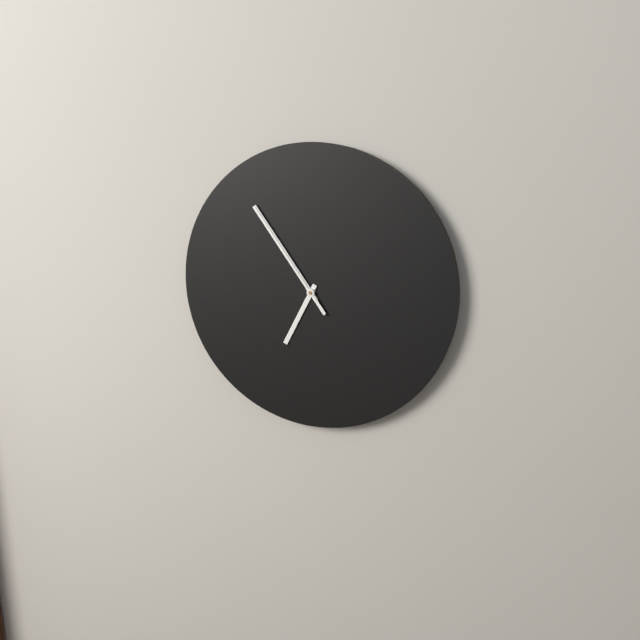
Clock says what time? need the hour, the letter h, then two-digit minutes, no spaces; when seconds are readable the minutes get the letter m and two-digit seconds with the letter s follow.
6h54m54s
